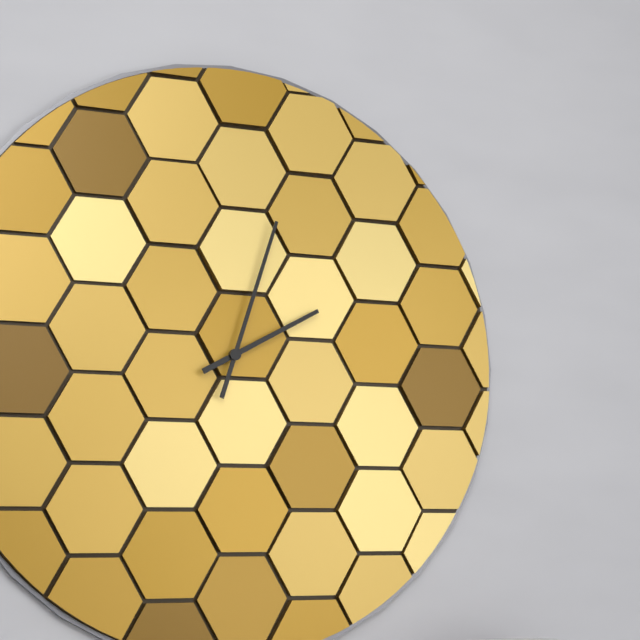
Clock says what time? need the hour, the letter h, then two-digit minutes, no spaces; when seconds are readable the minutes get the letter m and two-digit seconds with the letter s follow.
2h03
